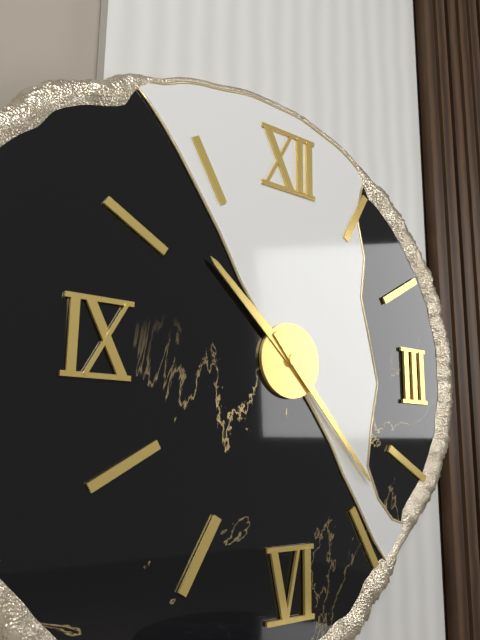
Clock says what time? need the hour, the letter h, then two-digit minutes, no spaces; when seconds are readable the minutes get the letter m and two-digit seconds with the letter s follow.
10h23
